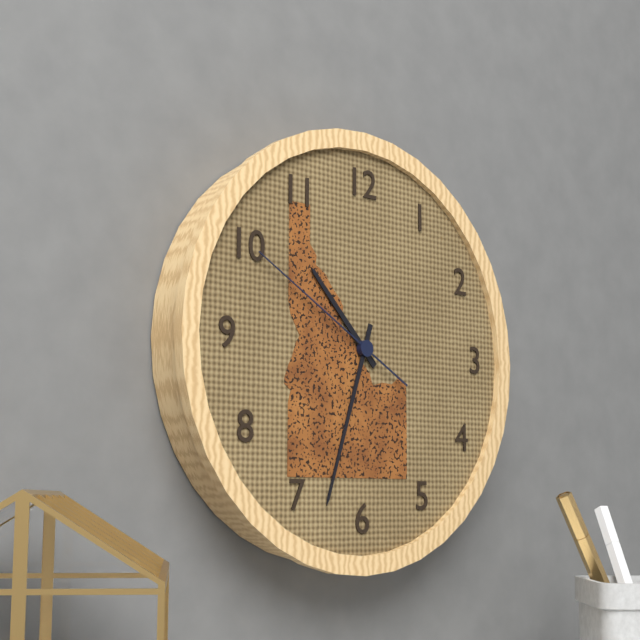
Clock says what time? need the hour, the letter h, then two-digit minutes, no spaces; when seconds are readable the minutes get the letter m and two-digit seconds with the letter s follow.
10h33m50s
